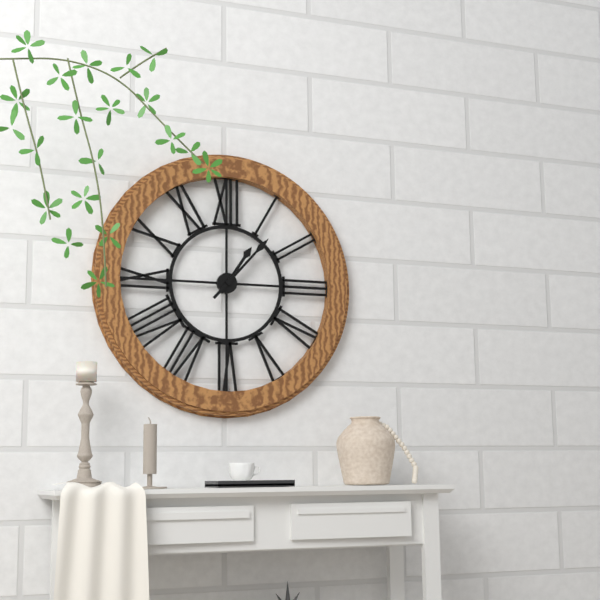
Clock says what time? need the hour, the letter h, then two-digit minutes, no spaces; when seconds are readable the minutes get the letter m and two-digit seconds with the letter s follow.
1h07
